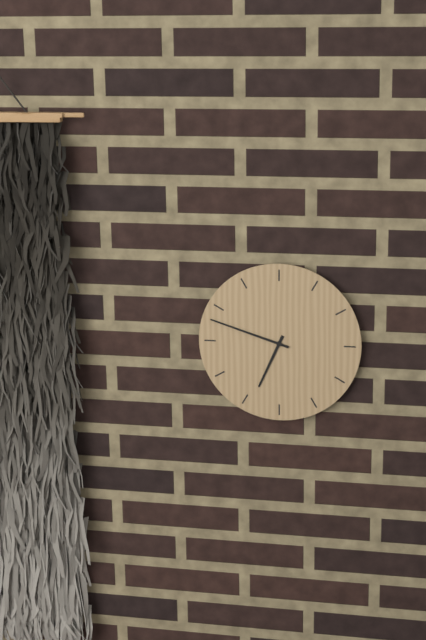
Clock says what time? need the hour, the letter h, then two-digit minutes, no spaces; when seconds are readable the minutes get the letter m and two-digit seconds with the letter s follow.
6h48
